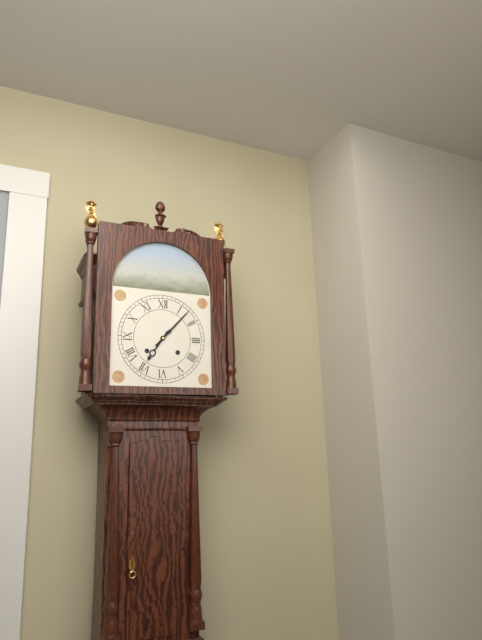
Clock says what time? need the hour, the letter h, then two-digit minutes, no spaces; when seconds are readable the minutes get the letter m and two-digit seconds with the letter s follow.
7h07
